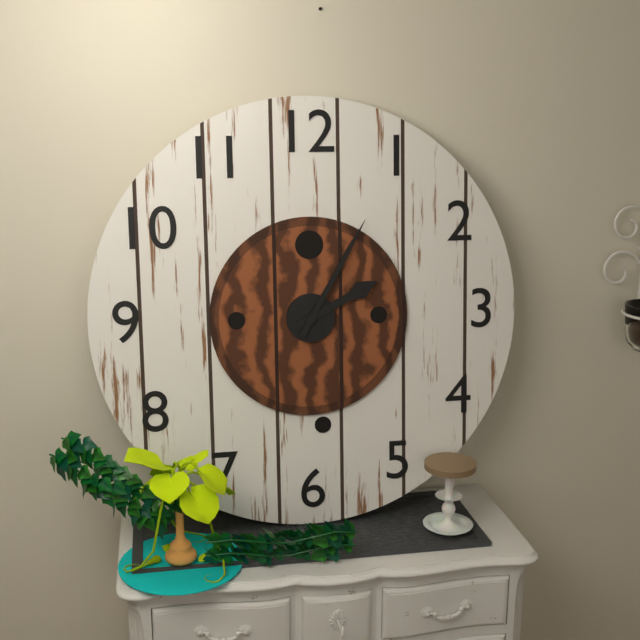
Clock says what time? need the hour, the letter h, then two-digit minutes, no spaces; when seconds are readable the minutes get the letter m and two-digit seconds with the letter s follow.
2h05
